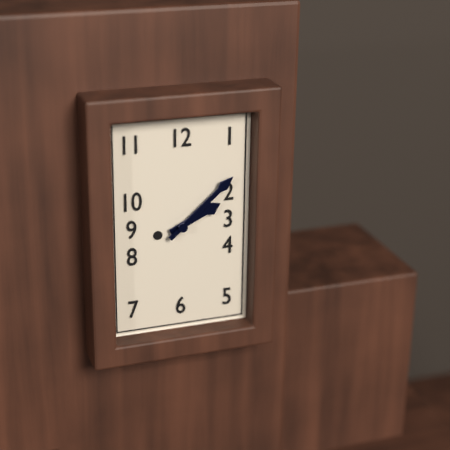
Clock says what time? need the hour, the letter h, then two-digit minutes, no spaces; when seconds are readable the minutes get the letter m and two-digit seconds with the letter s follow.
2h08
